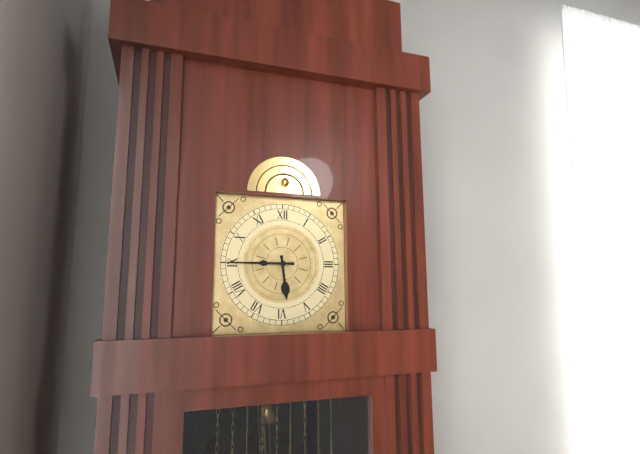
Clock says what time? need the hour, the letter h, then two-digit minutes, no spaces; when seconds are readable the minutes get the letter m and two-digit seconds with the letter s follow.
5h45
